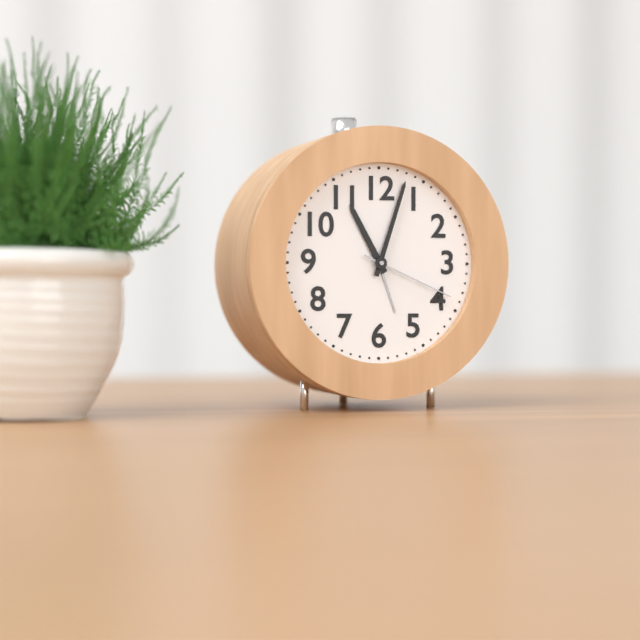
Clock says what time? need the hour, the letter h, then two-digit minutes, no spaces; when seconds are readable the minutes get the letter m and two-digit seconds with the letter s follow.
11h03m19s
